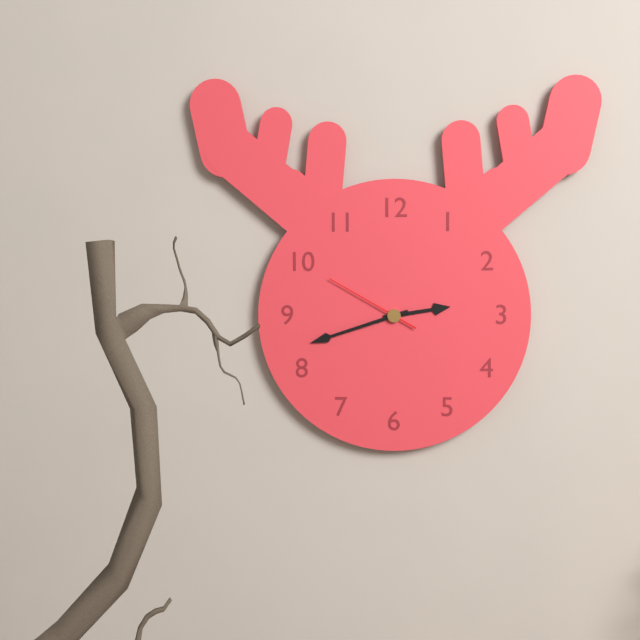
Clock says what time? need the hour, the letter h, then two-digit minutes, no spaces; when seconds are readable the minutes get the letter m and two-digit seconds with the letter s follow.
2h42m50s
